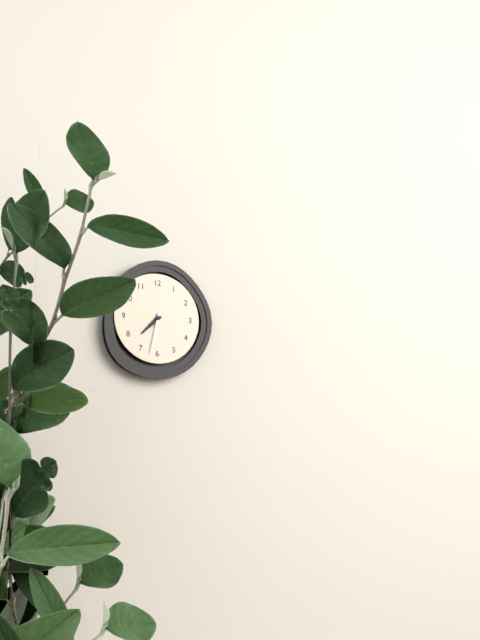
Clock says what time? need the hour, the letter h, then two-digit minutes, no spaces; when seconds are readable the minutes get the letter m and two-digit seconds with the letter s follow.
7h32
